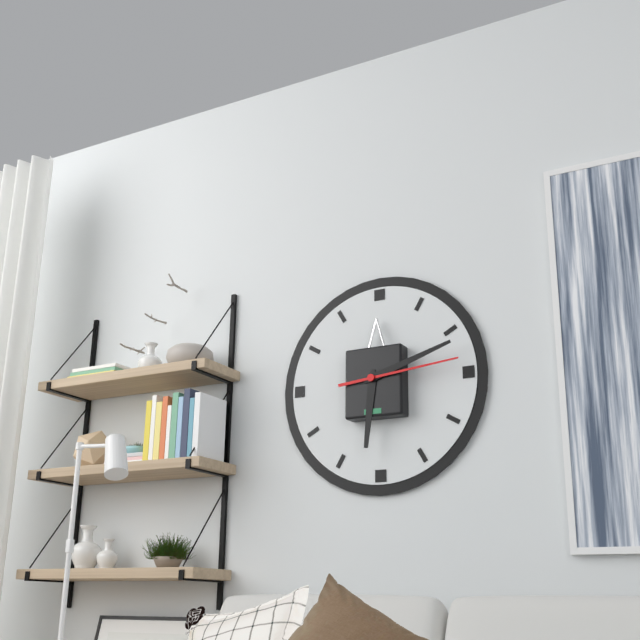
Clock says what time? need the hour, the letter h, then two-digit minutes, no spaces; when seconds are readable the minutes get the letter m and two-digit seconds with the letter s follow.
6h12m14s
